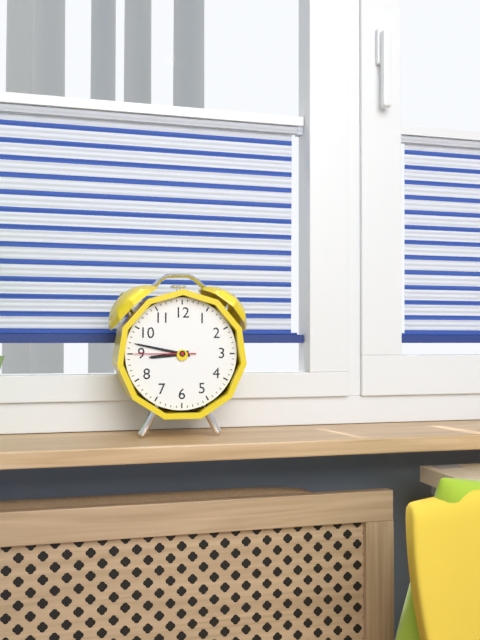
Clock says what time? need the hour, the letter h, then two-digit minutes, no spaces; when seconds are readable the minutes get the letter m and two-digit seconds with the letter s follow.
8h47m45s
